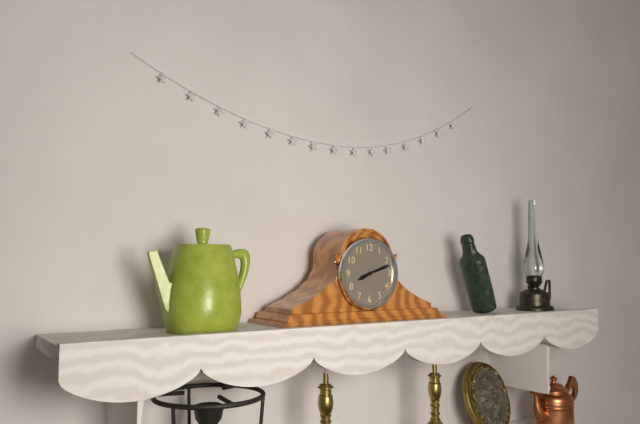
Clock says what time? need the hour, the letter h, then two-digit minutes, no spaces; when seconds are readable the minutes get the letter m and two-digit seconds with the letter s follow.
8h12
